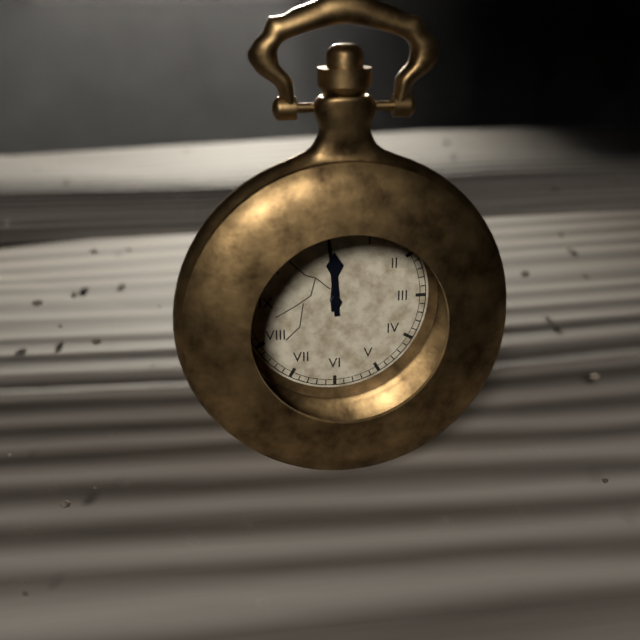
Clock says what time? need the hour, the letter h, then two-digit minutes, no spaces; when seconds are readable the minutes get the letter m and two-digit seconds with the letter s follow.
11h59
